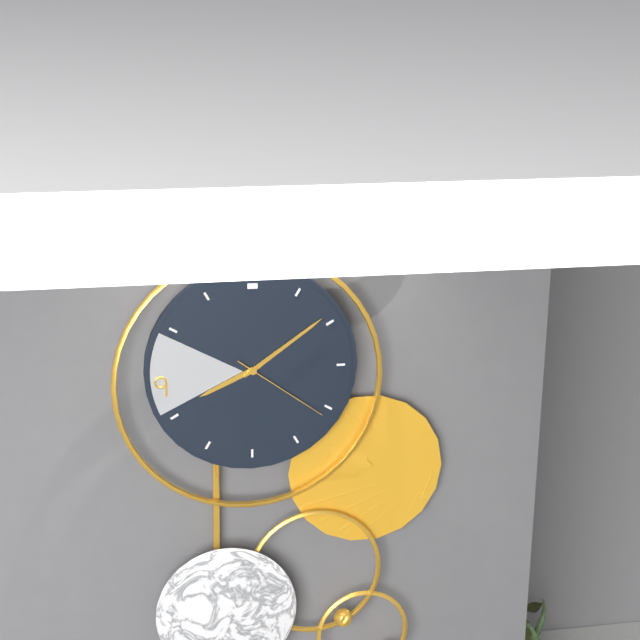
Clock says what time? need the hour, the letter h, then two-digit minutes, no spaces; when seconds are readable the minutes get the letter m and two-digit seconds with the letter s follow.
8h09m21s
